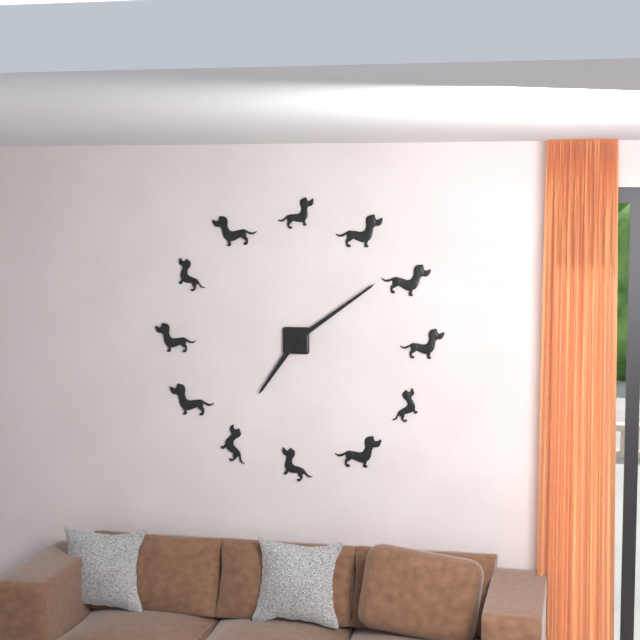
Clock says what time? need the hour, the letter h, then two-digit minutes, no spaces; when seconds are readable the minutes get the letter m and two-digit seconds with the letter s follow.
7h09
